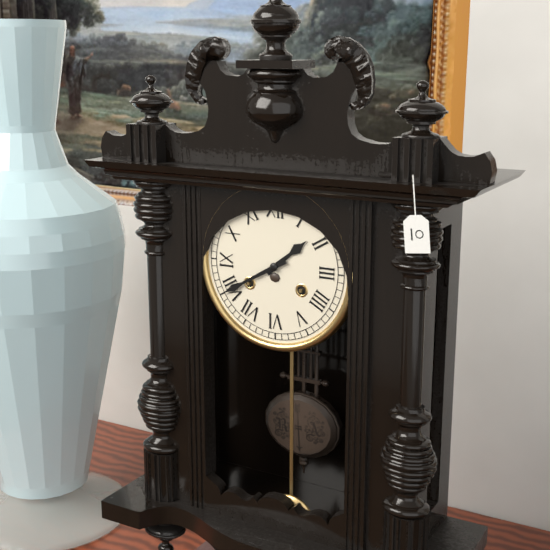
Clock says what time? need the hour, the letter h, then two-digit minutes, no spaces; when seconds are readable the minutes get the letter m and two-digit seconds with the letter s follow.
1h40
